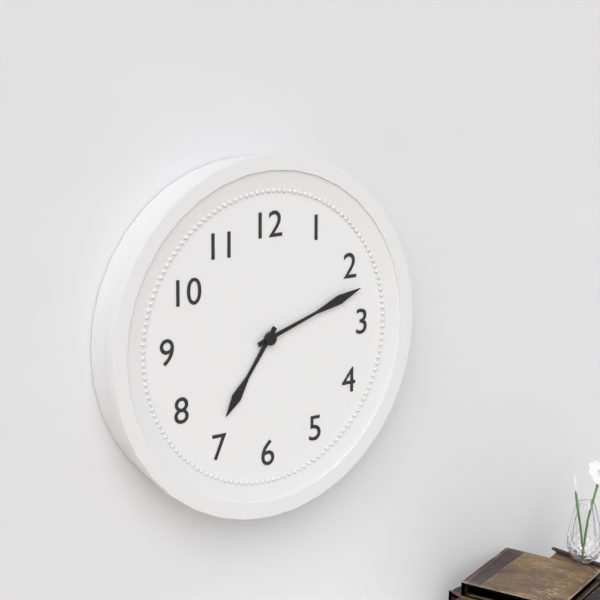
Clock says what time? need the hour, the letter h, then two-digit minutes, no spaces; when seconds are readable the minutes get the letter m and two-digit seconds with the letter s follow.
7h12
